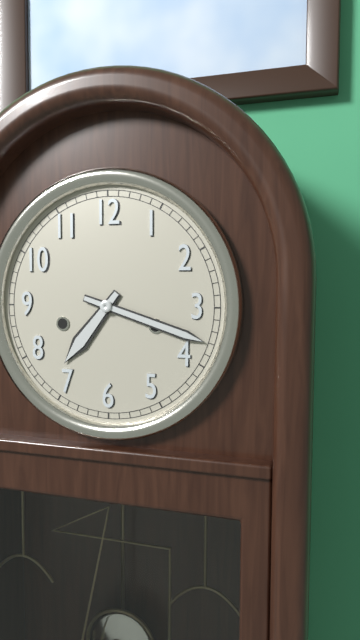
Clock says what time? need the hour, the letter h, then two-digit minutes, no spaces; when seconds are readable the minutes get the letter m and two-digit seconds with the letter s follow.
7h18
